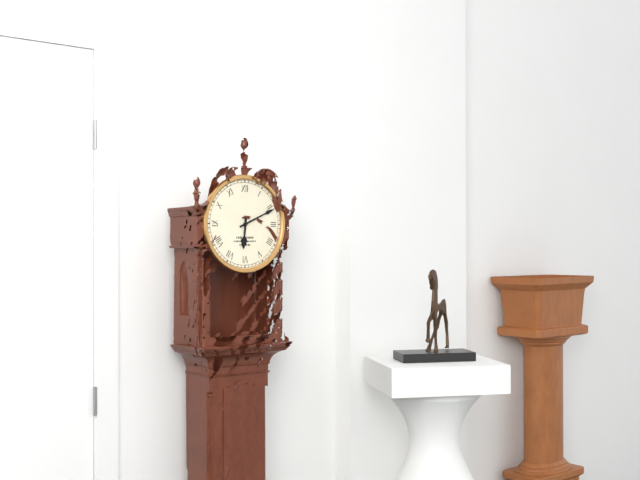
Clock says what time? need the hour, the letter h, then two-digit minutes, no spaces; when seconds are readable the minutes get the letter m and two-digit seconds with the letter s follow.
6h11
